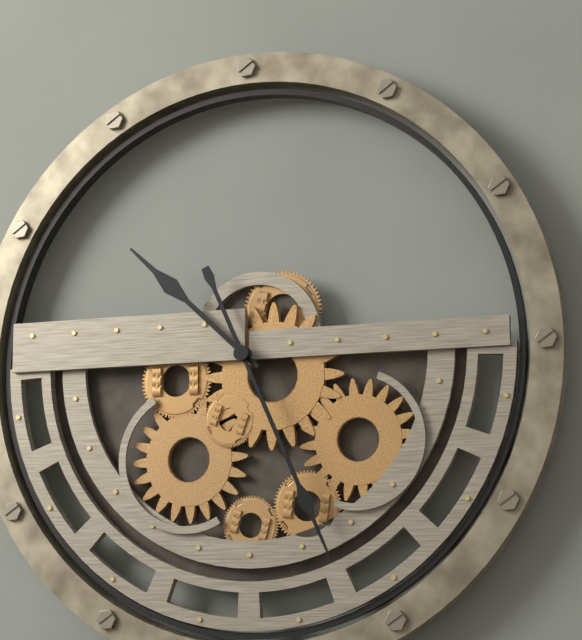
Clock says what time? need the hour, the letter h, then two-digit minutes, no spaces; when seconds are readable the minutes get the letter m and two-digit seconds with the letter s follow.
10h26
